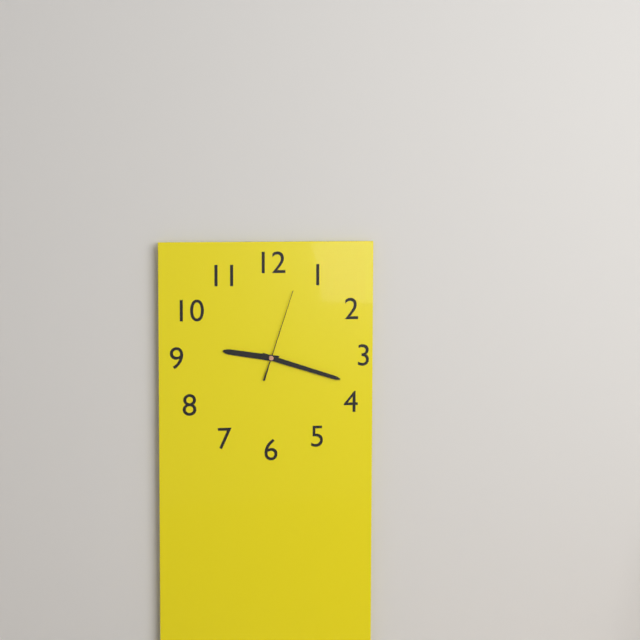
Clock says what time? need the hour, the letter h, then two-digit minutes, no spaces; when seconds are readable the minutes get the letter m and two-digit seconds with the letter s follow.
9h18m03s
